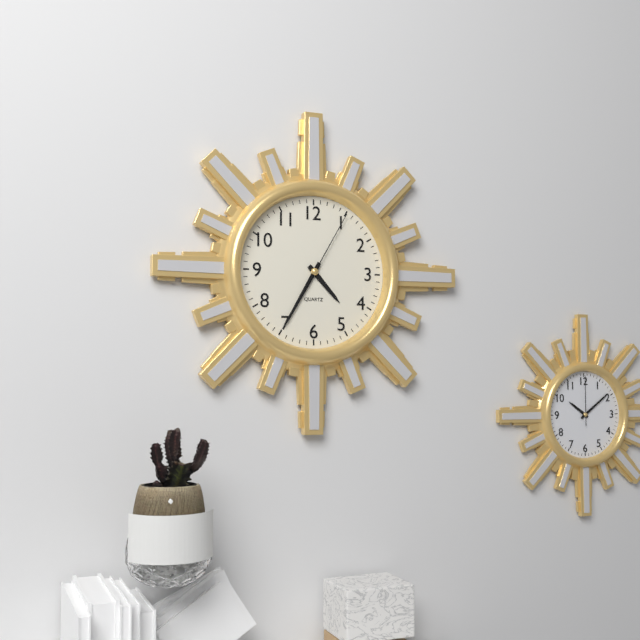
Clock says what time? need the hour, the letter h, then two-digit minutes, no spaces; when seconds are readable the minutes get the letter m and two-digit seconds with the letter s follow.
4h35m05s
